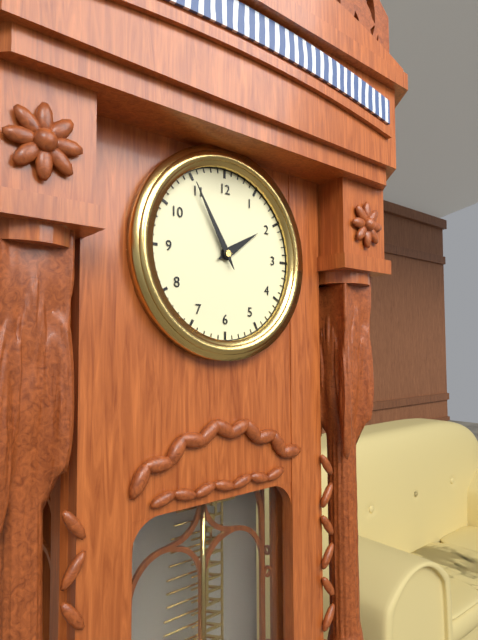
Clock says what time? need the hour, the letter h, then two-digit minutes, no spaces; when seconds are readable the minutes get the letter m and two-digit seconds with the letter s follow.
1h55
